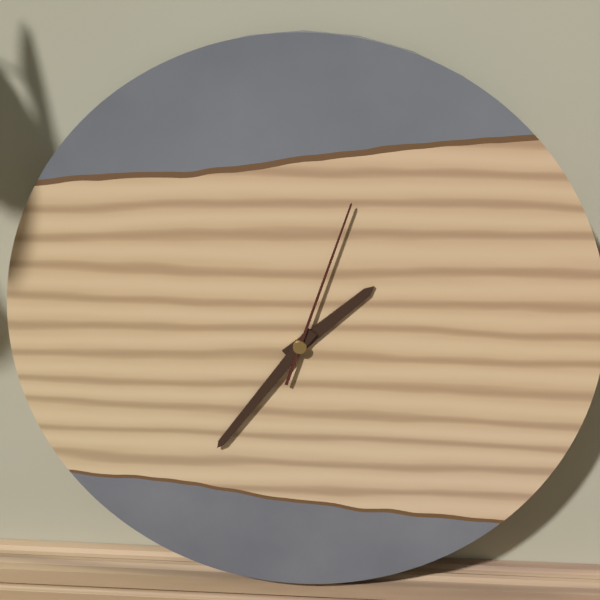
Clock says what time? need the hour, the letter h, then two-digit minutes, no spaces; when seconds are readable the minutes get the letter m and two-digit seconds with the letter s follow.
1h36m03s
